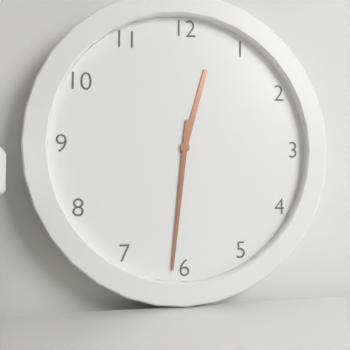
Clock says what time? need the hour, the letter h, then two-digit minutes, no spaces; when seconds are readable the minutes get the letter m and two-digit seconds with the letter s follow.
12h31
